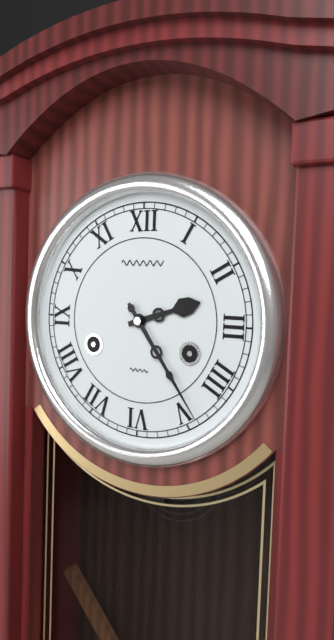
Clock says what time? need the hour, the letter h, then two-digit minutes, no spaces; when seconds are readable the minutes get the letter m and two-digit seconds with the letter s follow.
2h24
